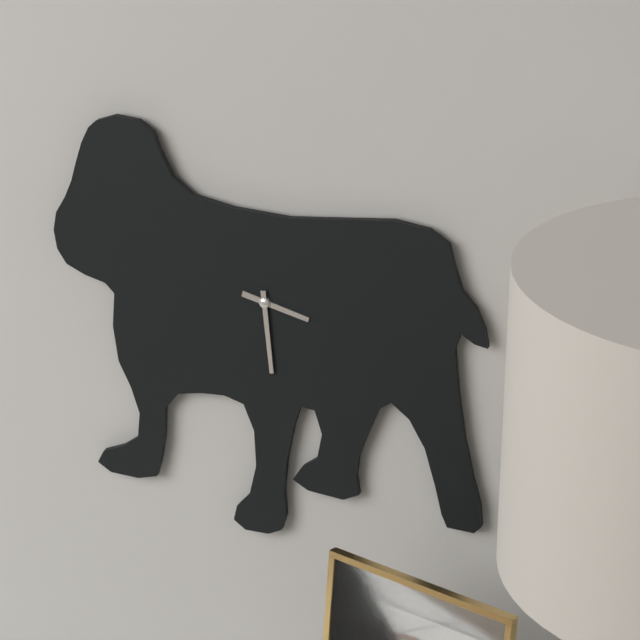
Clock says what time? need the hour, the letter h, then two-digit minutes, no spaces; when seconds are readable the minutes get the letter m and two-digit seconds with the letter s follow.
3h29
